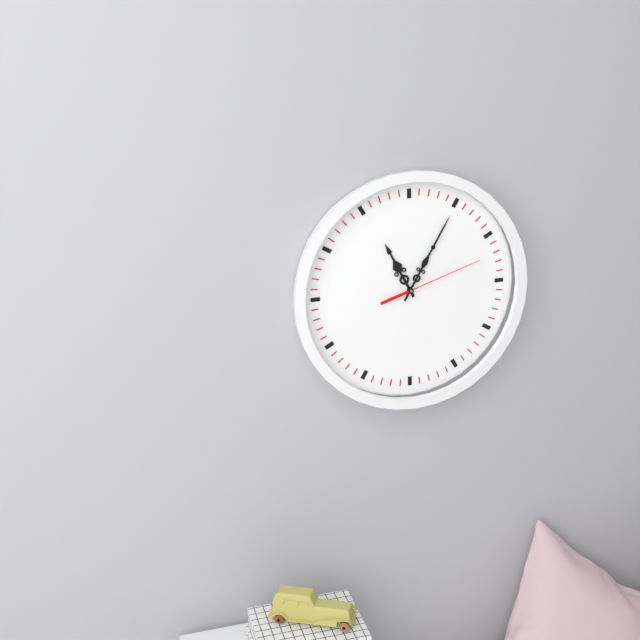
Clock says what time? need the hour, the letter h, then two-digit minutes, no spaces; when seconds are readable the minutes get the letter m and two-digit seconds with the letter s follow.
11h05m12s
